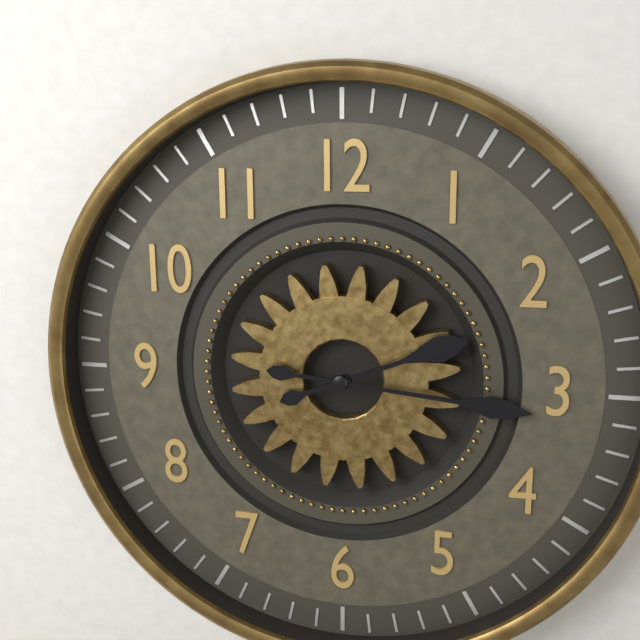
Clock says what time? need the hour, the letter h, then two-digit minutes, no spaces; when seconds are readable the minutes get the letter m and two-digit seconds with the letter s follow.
2h16
